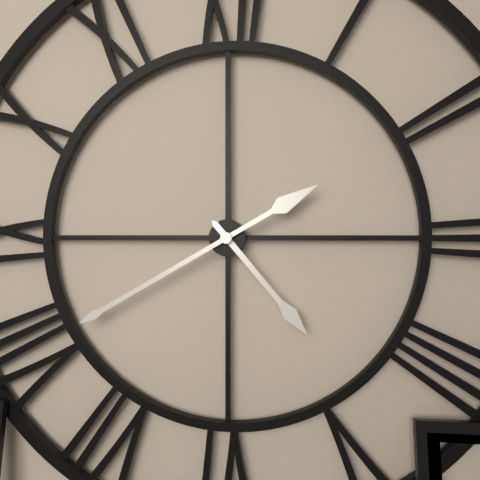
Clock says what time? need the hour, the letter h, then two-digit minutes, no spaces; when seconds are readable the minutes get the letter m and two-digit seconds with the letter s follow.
4h40
